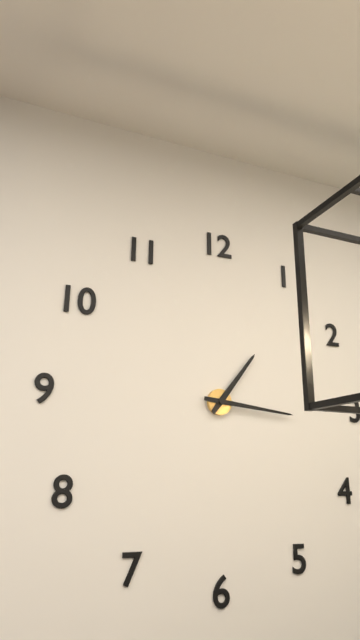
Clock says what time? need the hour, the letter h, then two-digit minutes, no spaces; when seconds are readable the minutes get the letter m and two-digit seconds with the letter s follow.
1h16
